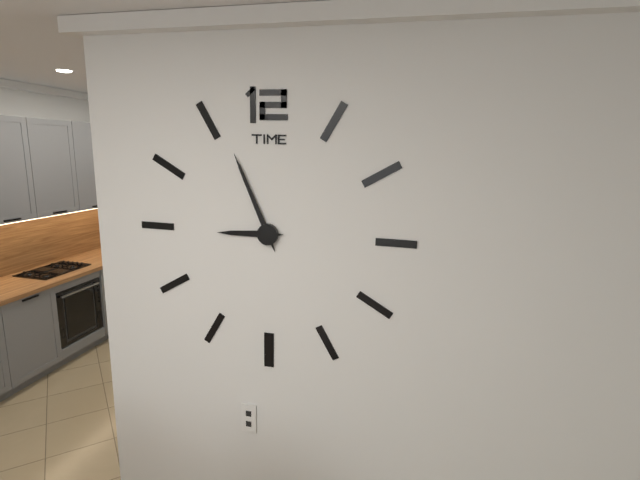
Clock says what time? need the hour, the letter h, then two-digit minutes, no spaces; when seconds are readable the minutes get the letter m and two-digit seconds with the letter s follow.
8h56
